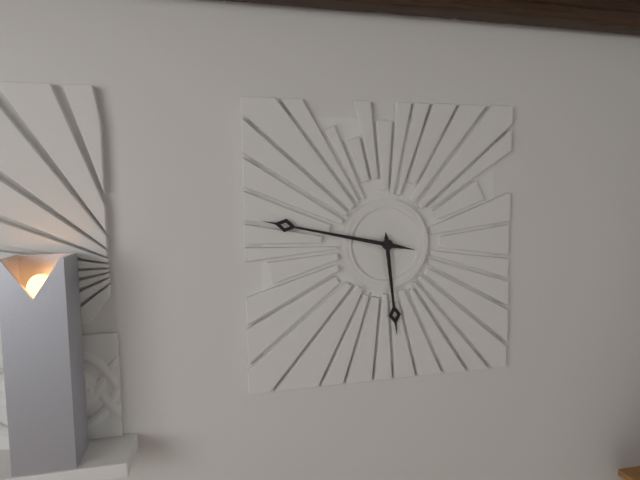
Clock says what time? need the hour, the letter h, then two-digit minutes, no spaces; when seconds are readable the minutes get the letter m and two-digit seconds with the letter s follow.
5h47
